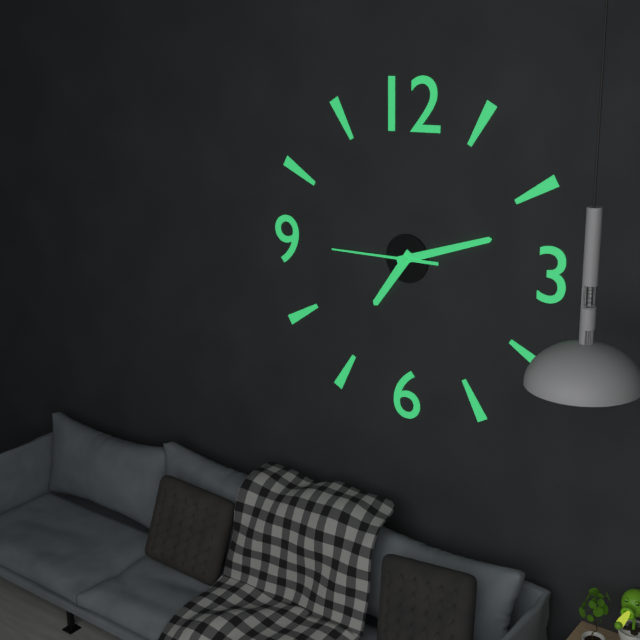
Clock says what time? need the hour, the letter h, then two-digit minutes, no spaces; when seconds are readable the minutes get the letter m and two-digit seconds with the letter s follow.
7h12m45s
